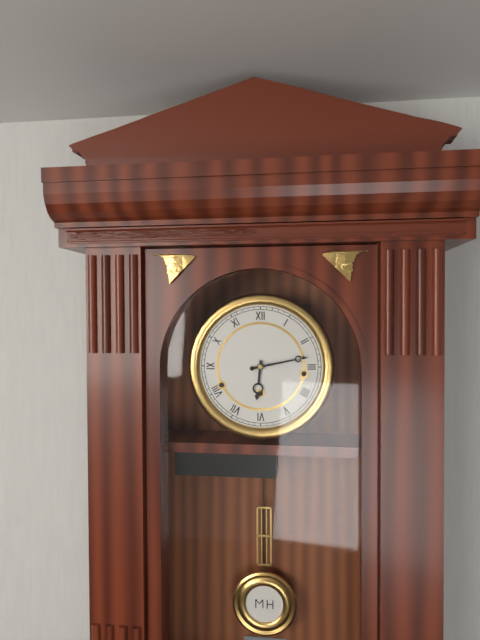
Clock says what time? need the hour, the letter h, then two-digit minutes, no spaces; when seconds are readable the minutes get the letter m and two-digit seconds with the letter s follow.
6h13
